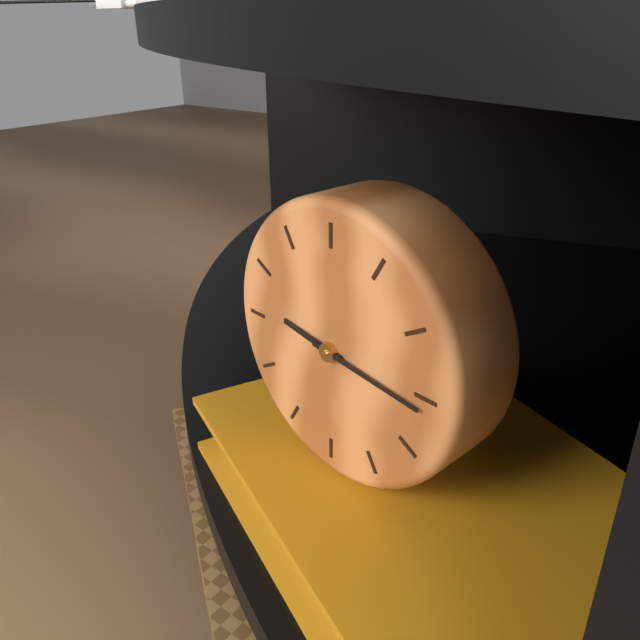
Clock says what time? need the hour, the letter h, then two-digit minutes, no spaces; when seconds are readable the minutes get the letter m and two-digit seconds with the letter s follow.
9h16
